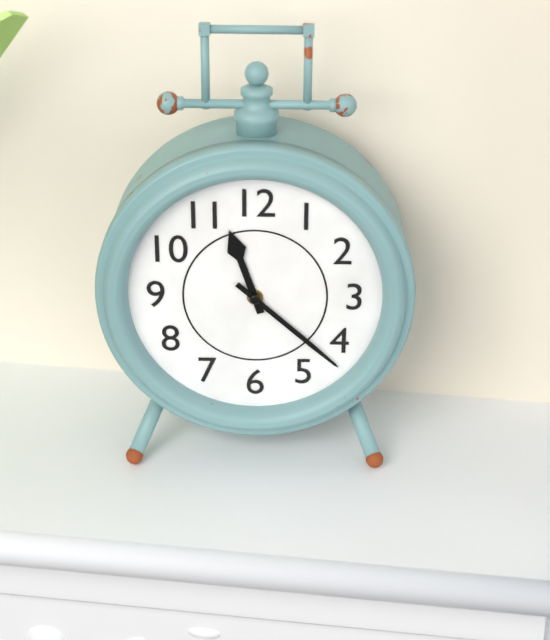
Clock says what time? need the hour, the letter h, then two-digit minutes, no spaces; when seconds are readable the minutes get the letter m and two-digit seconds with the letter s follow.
11h22
